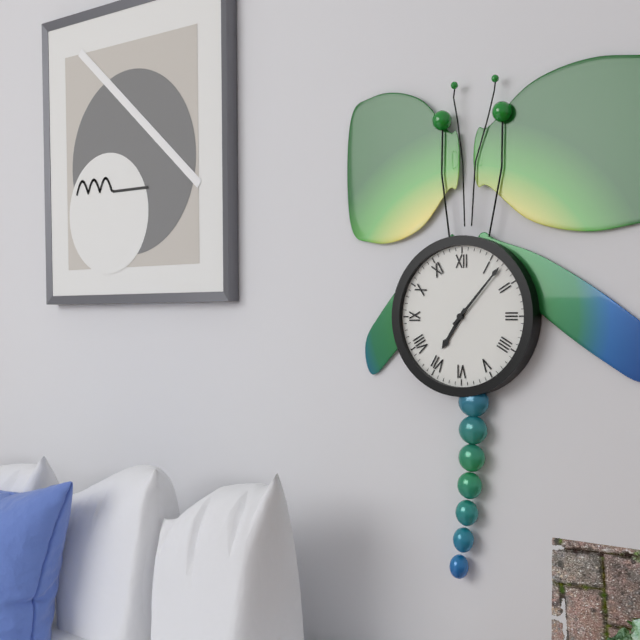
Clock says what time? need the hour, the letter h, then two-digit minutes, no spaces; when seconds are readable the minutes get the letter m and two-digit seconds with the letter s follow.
7h07
